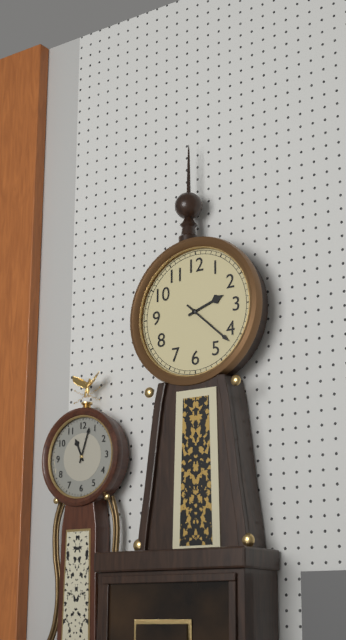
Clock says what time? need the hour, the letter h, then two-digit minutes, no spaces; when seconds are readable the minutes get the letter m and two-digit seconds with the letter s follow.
2h22
